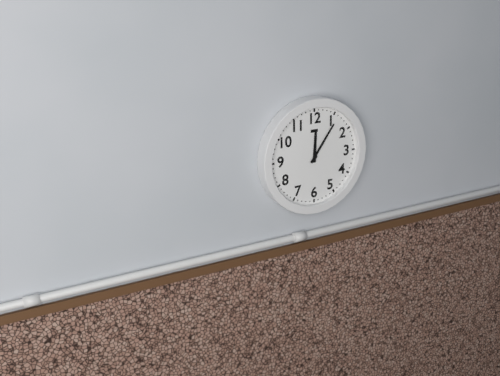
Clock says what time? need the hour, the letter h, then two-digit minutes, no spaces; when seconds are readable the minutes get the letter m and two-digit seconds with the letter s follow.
12h06
